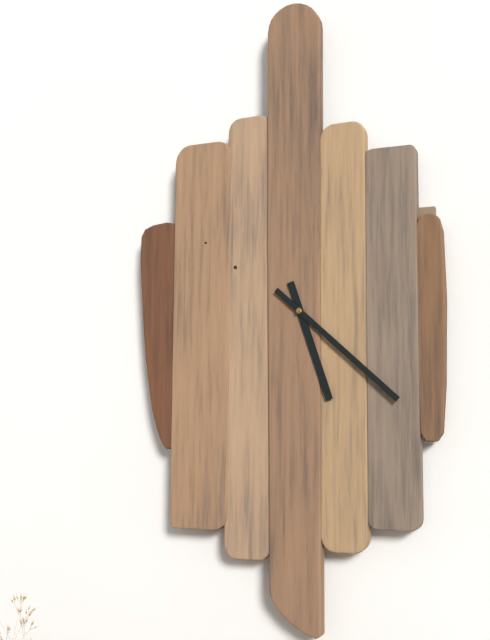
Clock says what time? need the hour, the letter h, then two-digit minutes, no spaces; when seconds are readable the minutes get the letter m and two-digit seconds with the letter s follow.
5h22
